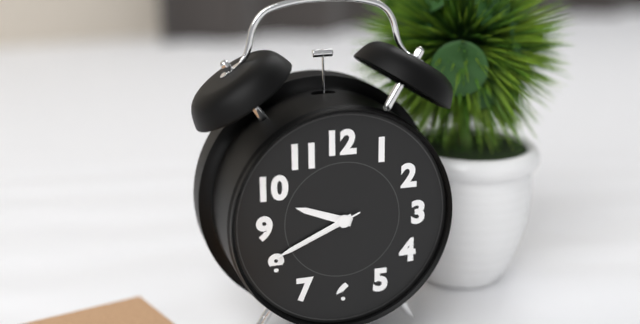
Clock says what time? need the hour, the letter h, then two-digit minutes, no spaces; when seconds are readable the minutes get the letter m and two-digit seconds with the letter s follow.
9h41m41s
